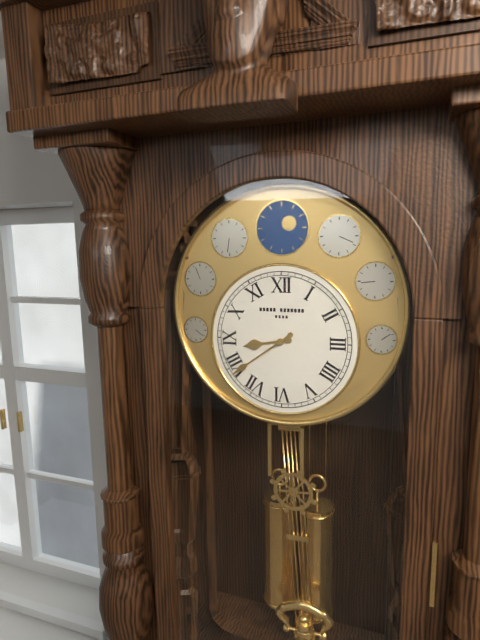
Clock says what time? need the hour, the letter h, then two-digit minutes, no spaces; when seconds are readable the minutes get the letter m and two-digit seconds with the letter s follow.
8h39
